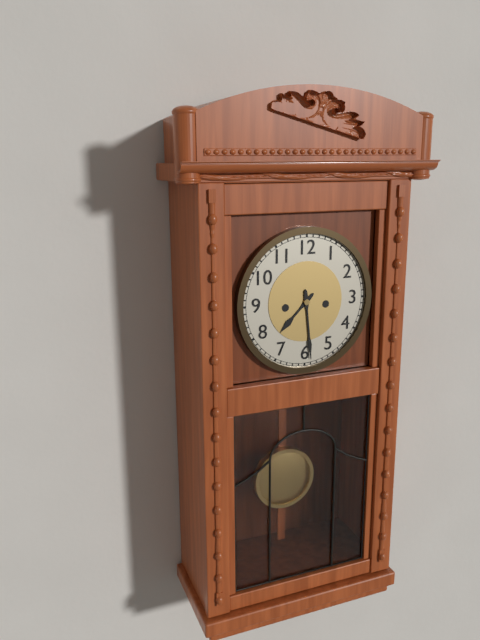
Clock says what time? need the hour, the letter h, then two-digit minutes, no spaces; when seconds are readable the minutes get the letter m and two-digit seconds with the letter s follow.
7h29
